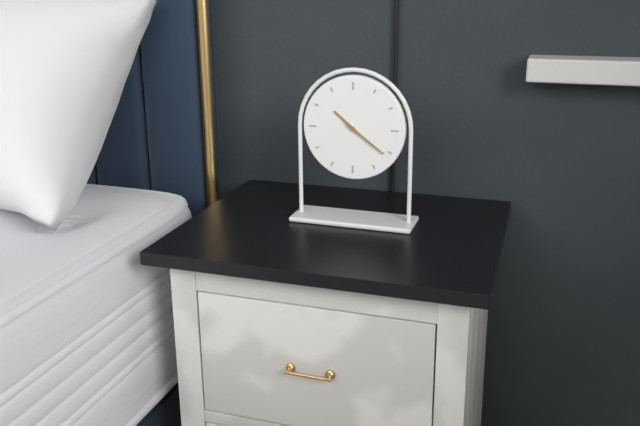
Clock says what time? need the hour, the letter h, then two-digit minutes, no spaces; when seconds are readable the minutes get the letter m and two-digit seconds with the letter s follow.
10h21
